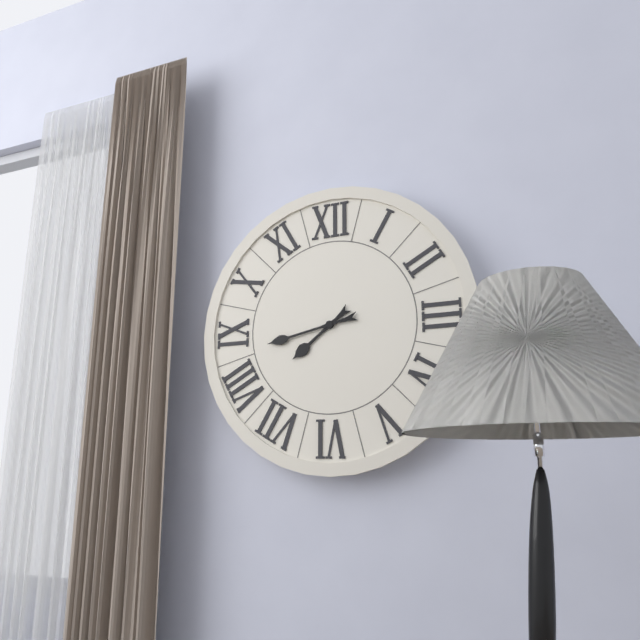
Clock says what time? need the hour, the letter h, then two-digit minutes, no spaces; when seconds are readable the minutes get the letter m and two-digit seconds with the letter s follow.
7h43
